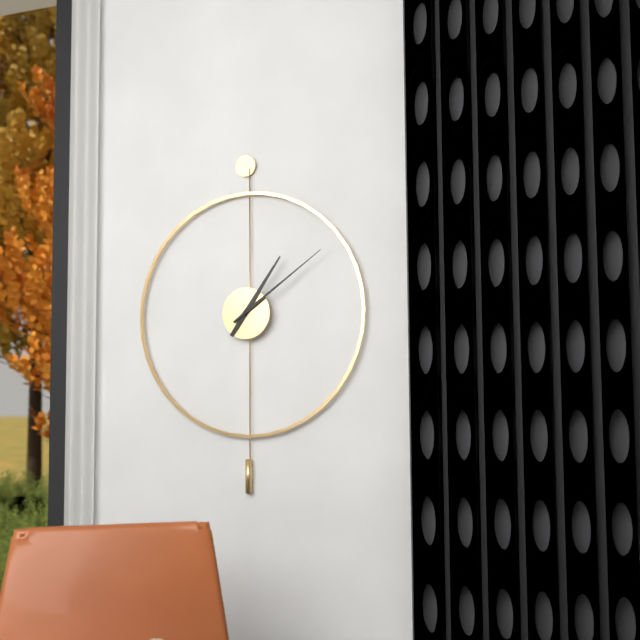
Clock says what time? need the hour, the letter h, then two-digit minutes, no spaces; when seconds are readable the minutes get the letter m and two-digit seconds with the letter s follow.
1h09
